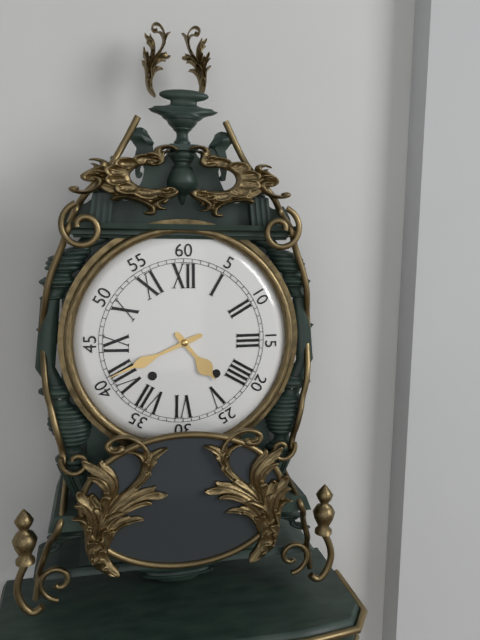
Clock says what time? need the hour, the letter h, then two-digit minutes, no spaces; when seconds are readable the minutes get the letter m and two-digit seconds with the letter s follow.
4h41
